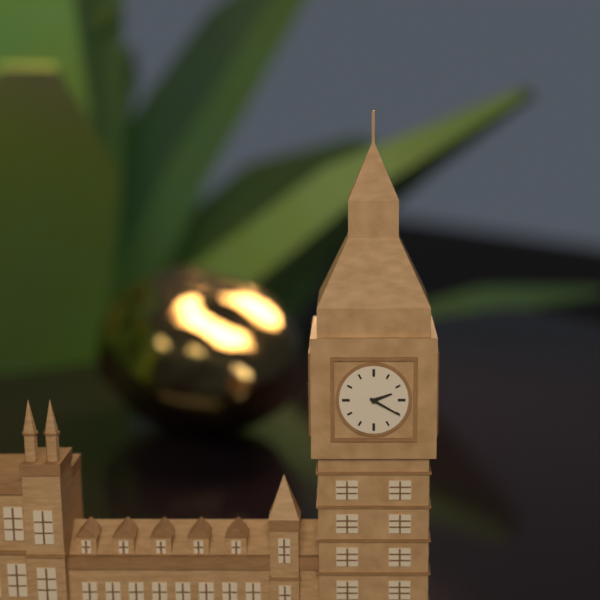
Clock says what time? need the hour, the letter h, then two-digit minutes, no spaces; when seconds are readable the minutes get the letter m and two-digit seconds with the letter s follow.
2h20
